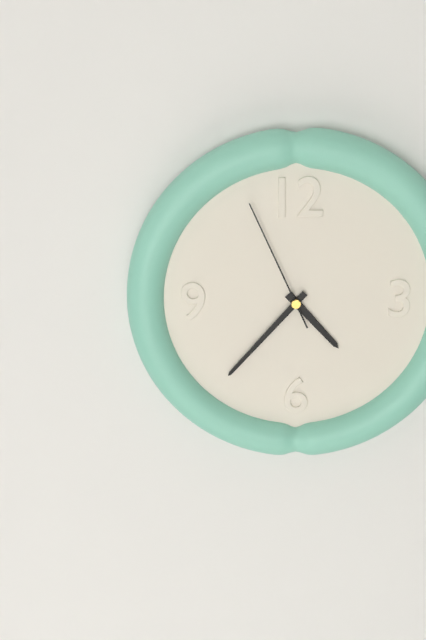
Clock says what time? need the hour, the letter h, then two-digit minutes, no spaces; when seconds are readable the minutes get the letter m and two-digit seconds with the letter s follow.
4h37m56s
